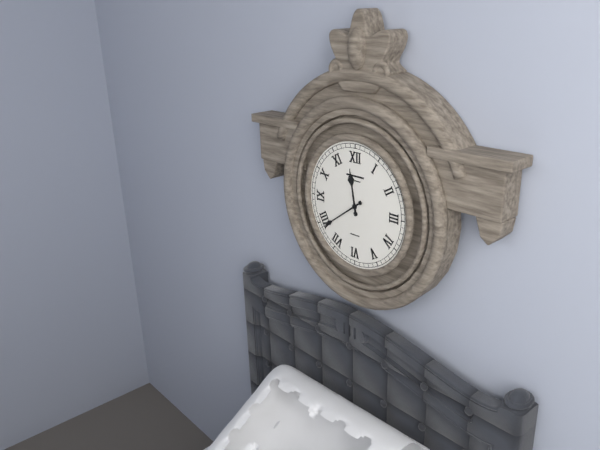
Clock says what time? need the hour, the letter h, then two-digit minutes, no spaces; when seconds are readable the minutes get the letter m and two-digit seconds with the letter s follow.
11h39
